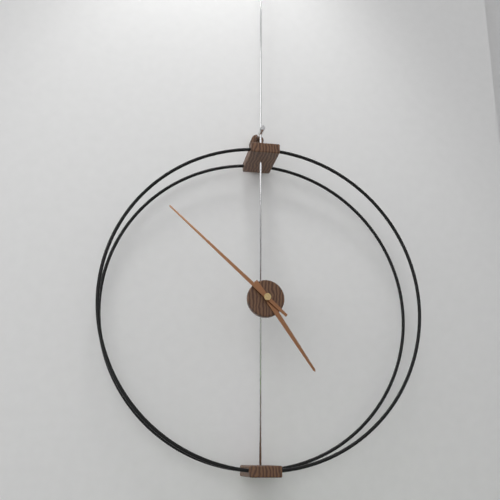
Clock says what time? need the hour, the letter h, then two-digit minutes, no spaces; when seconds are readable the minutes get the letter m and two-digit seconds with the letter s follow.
4h52
